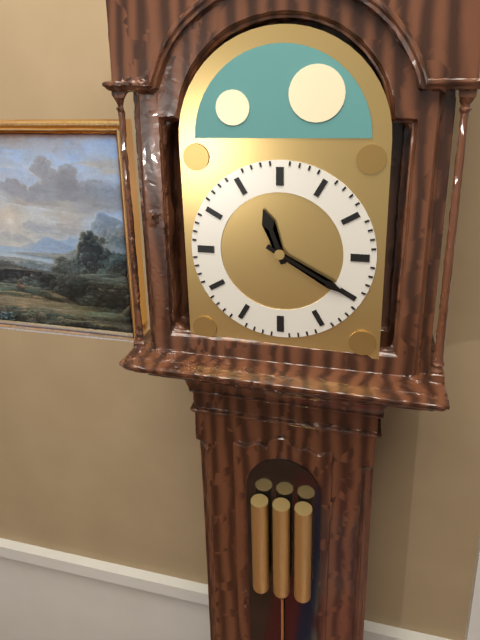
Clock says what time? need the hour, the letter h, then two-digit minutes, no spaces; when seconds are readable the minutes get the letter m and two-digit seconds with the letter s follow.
11h20
